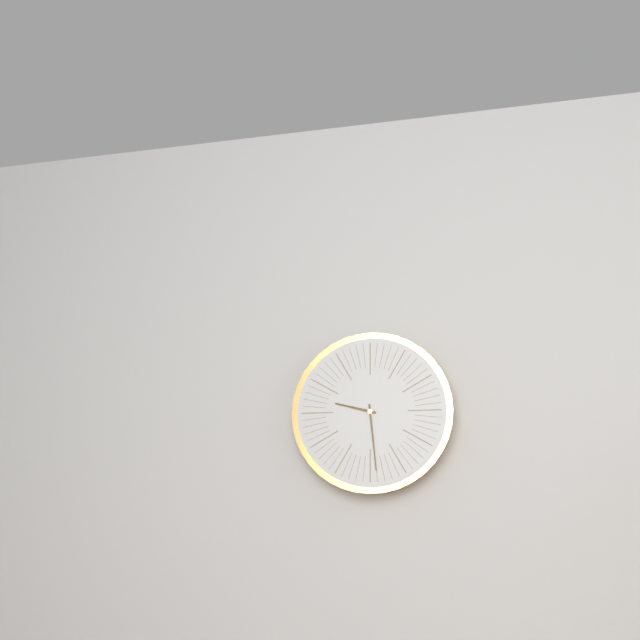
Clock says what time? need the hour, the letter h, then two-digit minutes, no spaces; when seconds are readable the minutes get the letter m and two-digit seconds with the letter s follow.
9h29
